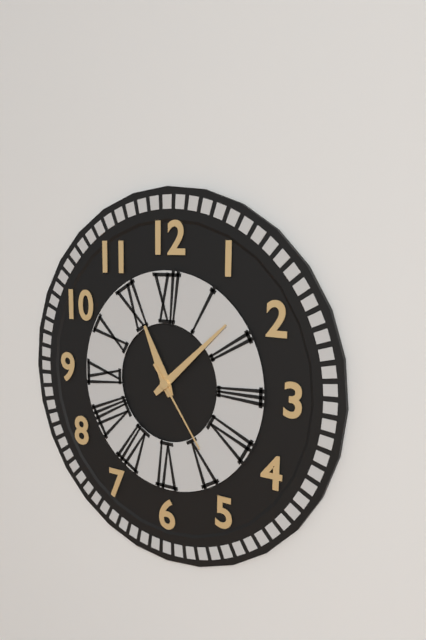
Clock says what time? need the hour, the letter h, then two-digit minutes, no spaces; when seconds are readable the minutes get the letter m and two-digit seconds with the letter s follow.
11h08m24s
